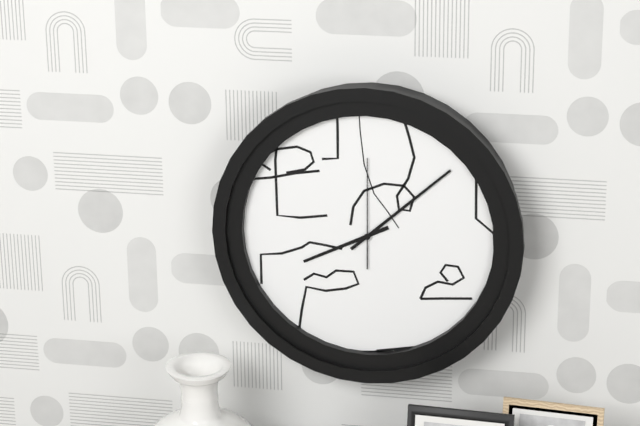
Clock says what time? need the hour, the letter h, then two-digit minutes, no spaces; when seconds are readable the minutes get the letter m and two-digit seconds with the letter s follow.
8h08m00s
